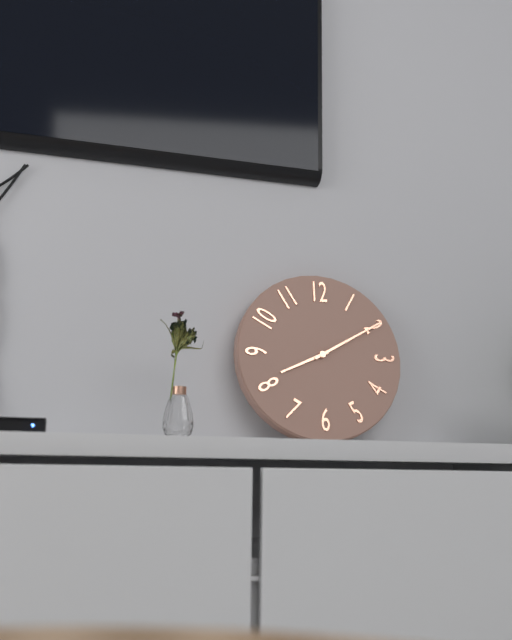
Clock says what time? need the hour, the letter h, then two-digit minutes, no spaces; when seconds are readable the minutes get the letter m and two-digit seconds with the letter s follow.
8h10
